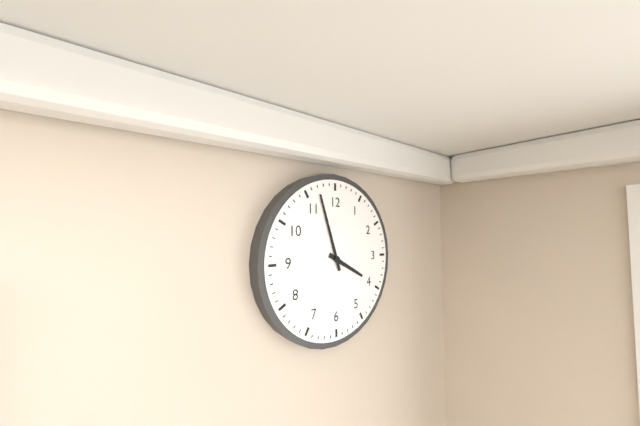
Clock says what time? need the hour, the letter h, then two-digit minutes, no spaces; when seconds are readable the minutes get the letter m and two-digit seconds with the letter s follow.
3h57
